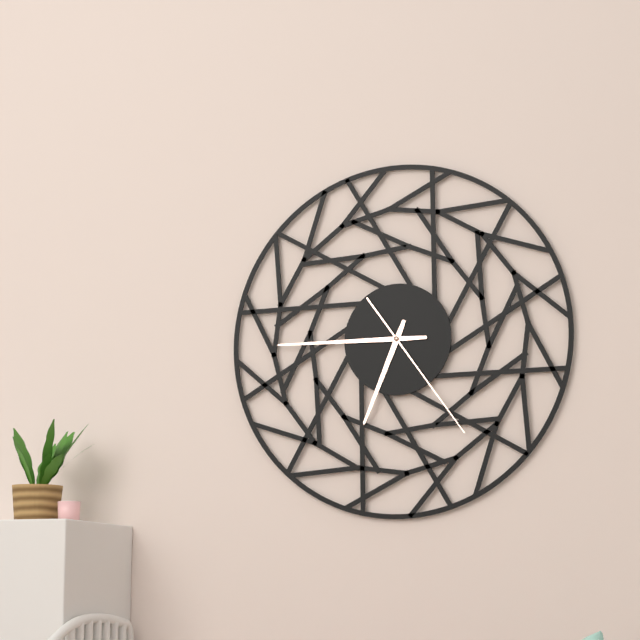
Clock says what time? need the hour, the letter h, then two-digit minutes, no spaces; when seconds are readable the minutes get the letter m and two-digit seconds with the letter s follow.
6h45m24s
